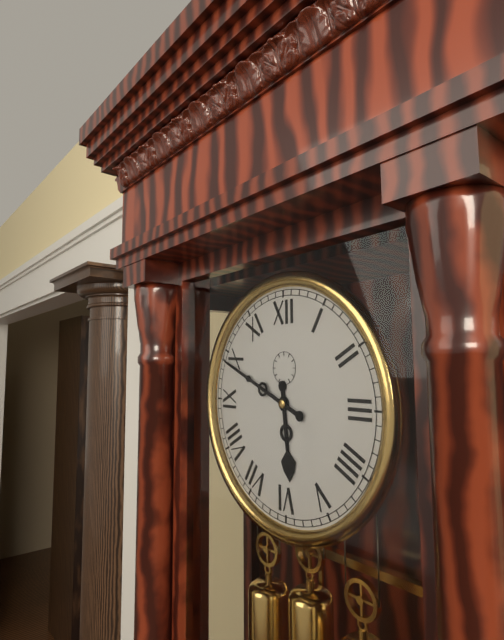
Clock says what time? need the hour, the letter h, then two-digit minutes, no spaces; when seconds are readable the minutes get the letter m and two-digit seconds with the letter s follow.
5h49
